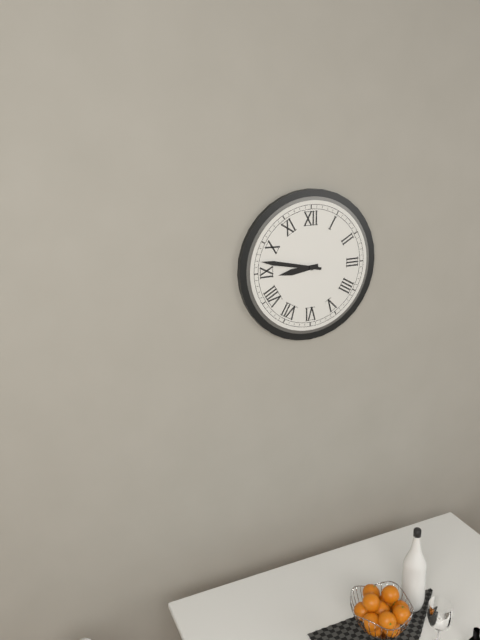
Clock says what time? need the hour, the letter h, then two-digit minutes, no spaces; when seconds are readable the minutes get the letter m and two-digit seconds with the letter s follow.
8h47
